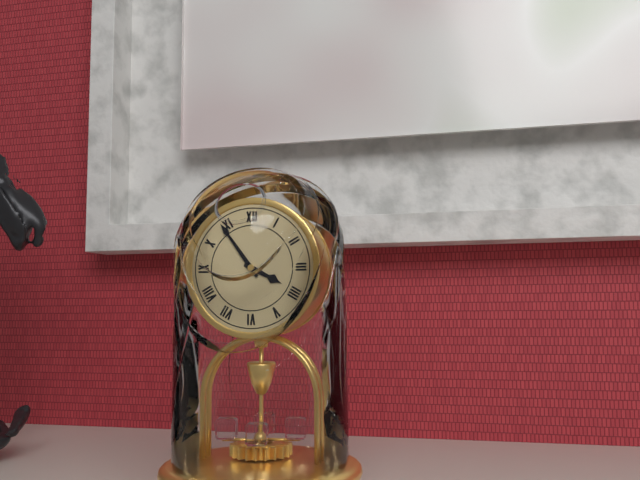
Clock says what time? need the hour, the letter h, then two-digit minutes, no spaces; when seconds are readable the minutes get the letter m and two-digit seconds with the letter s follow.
3h54
